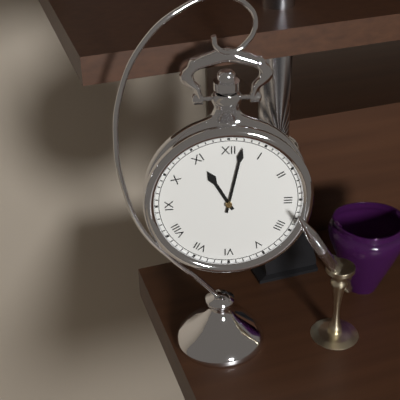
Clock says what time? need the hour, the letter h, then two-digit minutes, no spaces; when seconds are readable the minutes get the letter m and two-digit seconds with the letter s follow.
11h02
